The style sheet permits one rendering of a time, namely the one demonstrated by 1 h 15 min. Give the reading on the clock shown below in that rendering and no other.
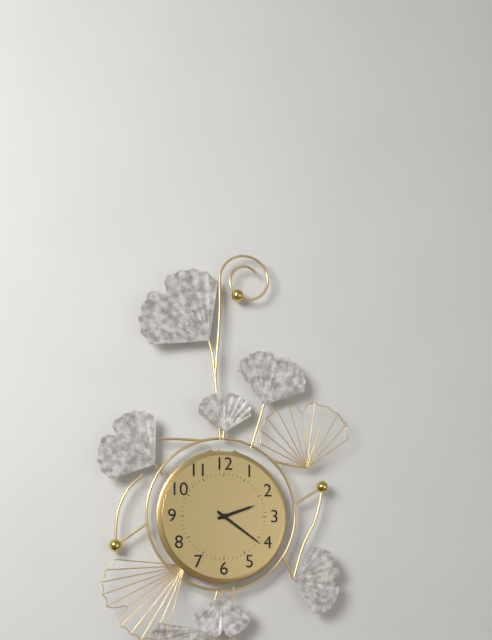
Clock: 2 h 21 min
